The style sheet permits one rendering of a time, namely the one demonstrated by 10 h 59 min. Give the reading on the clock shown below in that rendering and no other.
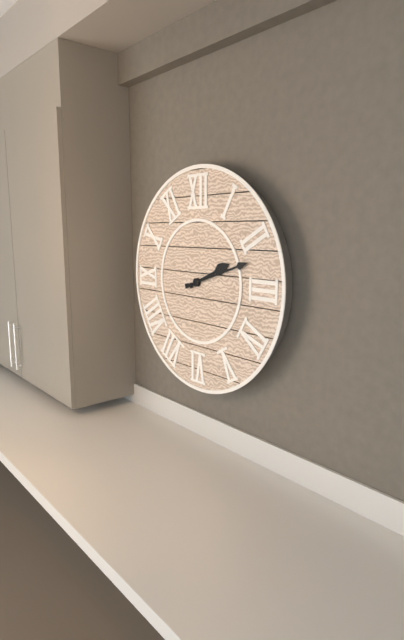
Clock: 2 h 12 min
